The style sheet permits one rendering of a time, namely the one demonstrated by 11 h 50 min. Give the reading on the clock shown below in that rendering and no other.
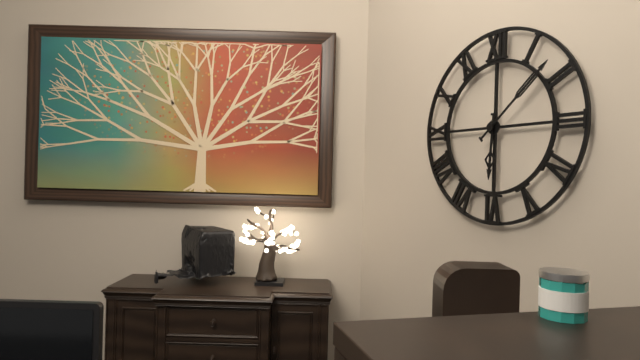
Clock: 6 h 08 min
